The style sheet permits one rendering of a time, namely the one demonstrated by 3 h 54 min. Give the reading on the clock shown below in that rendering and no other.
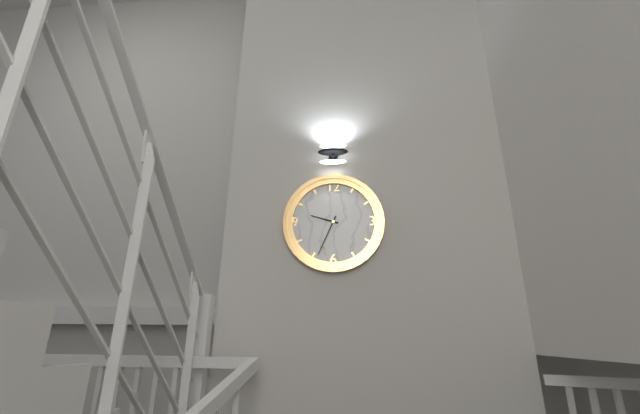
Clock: 9 h 34 min
